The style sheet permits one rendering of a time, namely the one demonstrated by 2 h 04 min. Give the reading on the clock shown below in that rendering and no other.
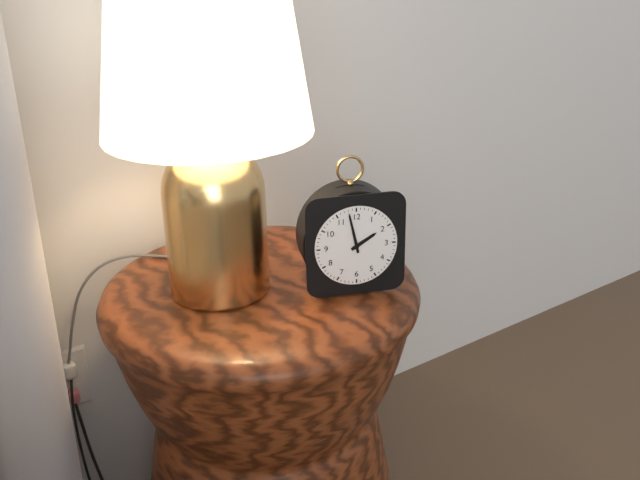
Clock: 1 h 58 min
